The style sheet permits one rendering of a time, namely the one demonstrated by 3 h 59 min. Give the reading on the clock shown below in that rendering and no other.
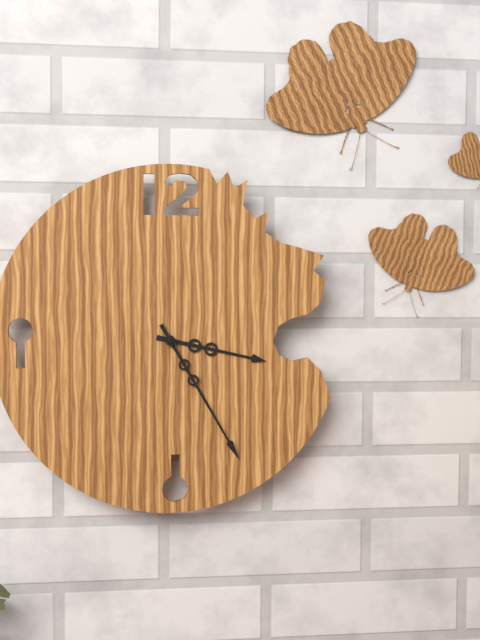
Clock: 3 h 25 min
